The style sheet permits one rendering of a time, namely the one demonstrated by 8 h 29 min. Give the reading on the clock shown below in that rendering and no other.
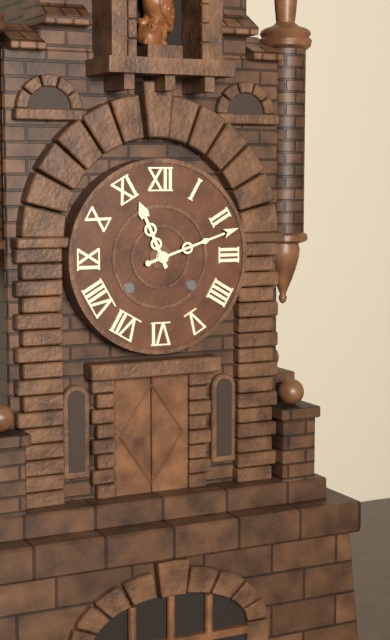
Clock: 11 h 12 min
